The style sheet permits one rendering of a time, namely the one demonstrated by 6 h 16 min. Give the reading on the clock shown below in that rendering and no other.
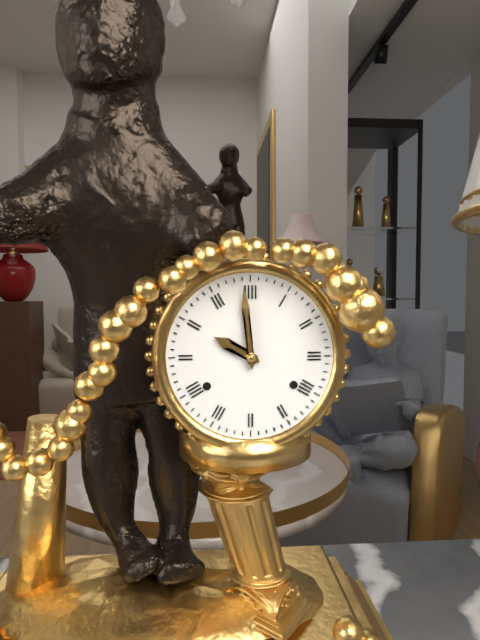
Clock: 9 h 59 min
